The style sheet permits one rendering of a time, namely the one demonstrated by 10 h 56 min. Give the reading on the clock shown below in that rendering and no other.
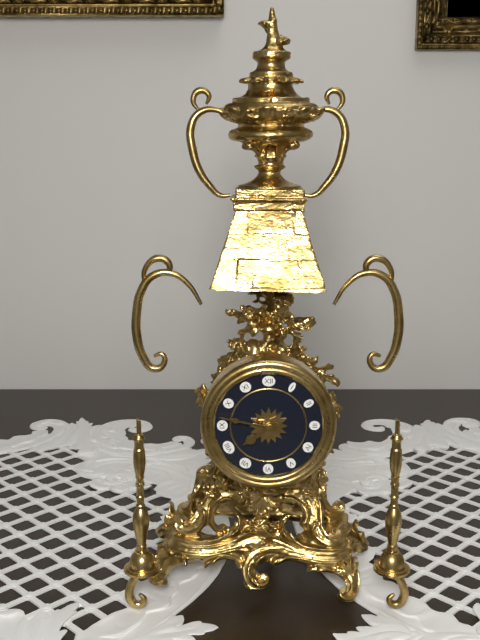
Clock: 7 h 47 min
